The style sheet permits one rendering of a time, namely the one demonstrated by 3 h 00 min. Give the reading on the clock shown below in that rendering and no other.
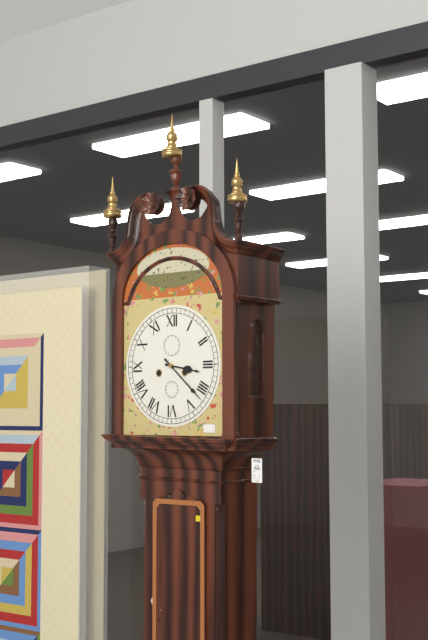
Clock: 3 h 22 min
